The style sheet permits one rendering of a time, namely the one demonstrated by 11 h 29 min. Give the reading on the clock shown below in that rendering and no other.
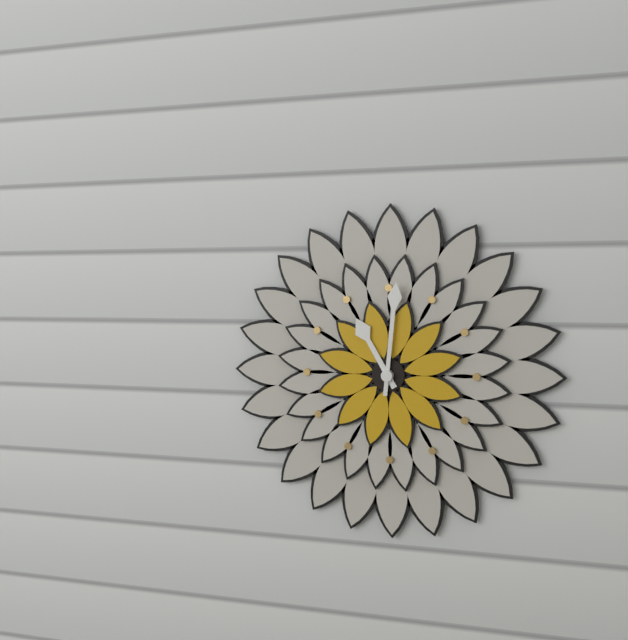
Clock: 11 h 01 min
